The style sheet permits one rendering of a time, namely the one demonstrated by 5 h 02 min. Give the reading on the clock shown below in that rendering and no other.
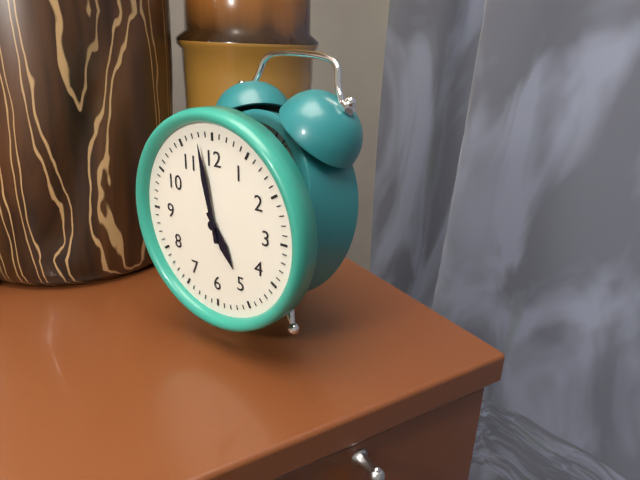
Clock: 4 h 58 min
